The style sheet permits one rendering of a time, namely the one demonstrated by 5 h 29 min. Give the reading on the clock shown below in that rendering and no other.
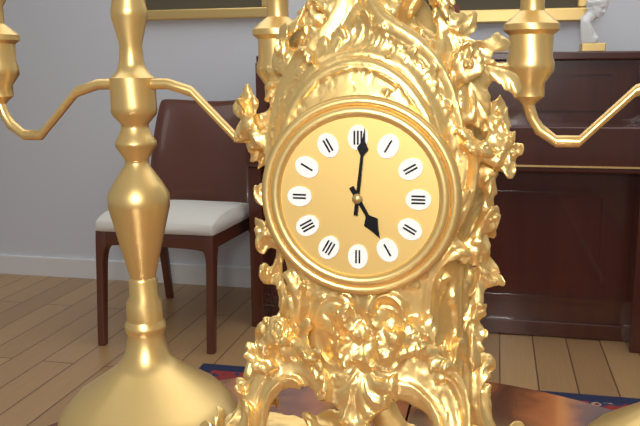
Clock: 5 h 01 min
